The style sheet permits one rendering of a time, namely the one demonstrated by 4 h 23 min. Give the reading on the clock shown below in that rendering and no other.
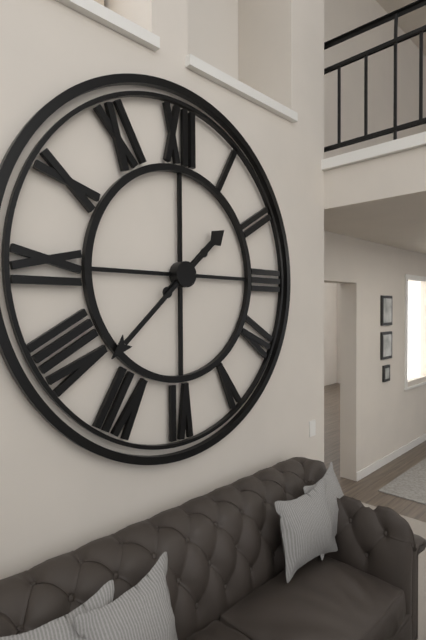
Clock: 1 h 38 min
